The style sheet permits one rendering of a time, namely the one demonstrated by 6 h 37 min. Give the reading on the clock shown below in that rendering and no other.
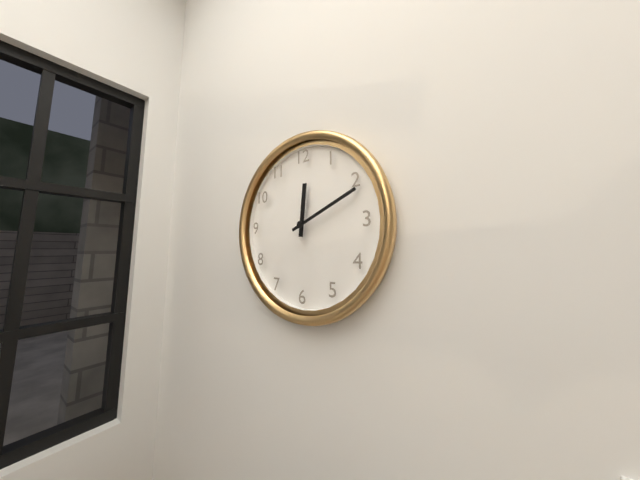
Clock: 12 h 11 min
